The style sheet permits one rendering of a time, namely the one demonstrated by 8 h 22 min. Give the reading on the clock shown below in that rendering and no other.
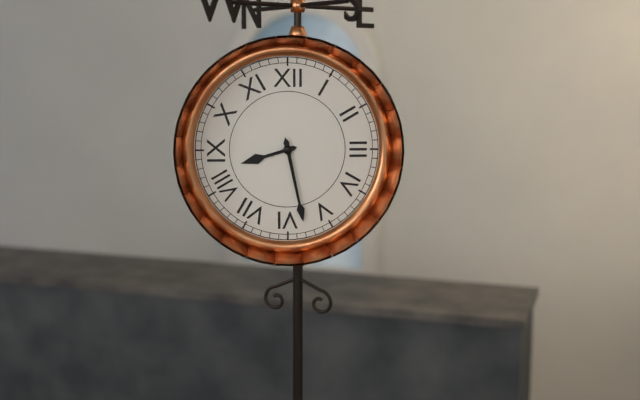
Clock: 8 h 28 min
